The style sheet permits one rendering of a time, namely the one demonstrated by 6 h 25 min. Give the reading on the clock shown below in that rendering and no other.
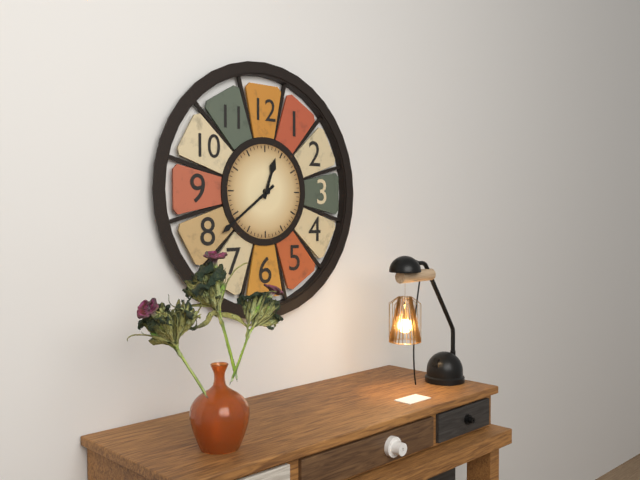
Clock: 12 h 39 min
